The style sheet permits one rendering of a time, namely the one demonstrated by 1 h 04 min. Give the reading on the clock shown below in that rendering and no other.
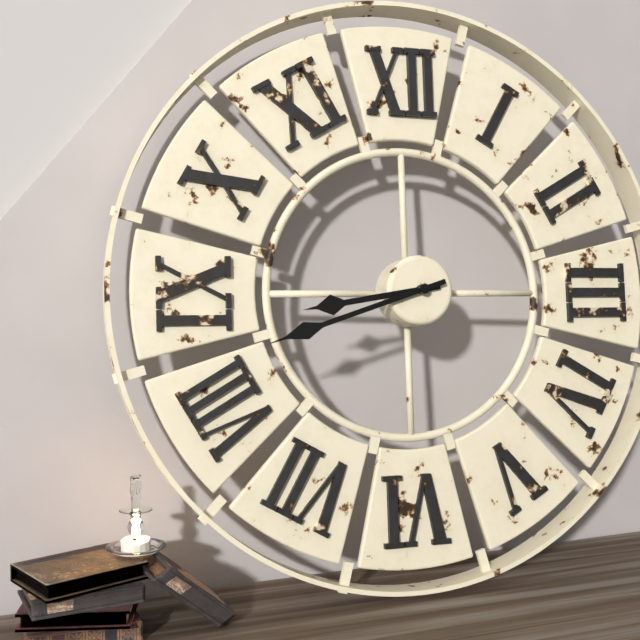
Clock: 8 h 42 min
